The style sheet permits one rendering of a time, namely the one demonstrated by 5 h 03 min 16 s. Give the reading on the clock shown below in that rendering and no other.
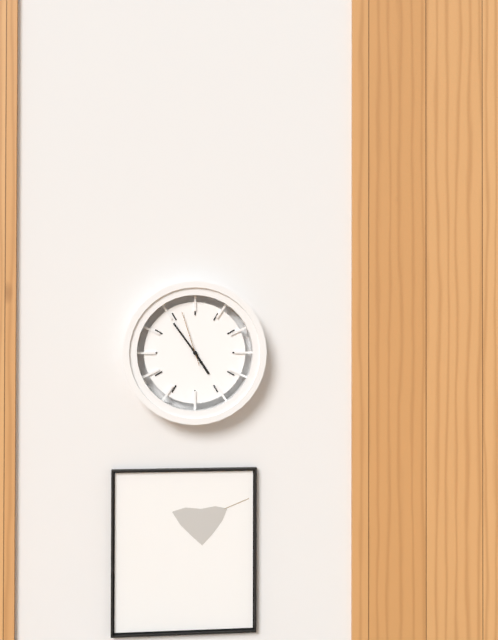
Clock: 4 h 54 min 57 s
